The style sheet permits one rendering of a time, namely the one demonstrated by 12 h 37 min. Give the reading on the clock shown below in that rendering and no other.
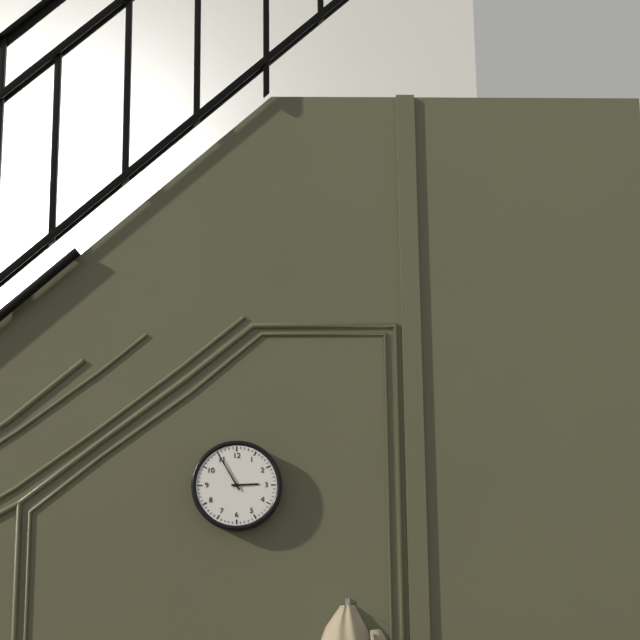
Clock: 2 h 55 min
